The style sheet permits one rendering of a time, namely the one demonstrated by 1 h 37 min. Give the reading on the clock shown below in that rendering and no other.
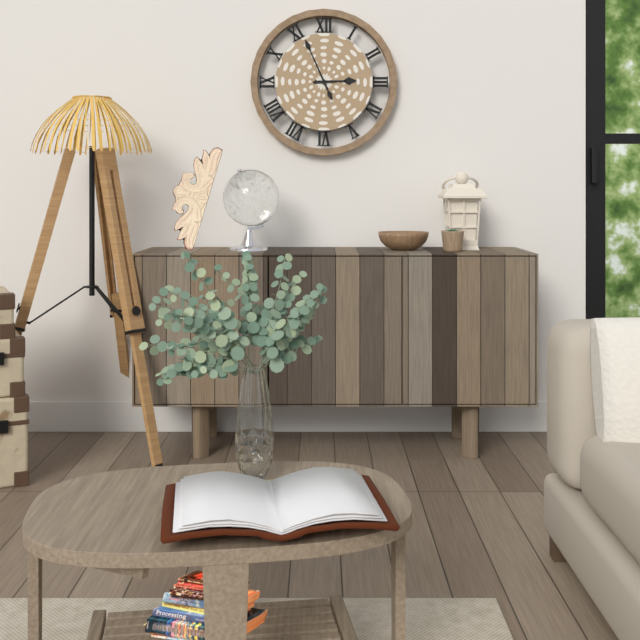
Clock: 2 h 56 min
